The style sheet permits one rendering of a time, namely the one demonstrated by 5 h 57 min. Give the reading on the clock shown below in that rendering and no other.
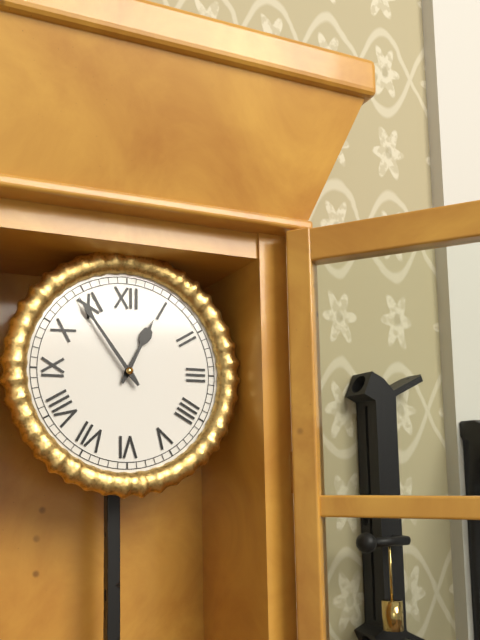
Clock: 12 h 54 min
